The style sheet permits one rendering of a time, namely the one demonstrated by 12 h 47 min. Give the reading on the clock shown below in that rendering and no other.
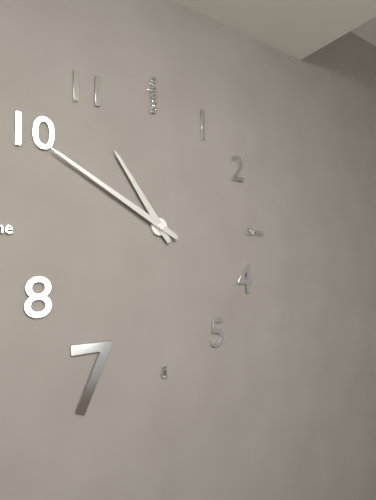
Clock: 10 h 50 min
